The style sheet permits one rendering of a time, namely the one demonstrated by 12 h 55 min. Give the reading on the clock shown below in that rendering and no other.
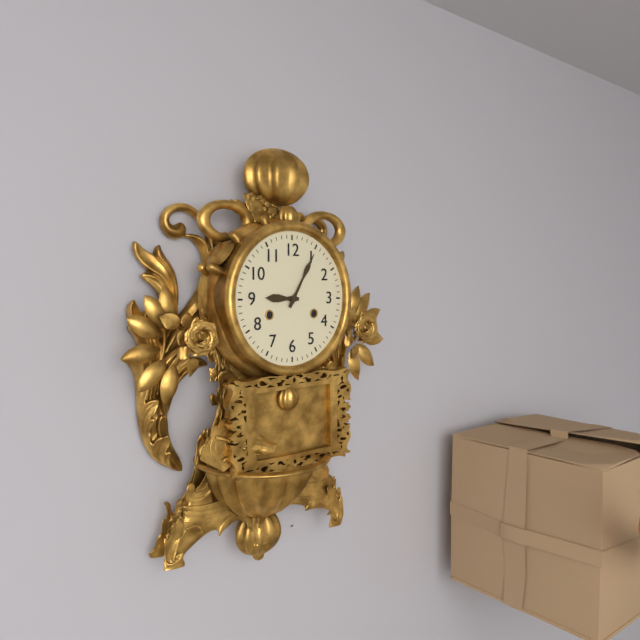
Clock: 9 h 05 min
